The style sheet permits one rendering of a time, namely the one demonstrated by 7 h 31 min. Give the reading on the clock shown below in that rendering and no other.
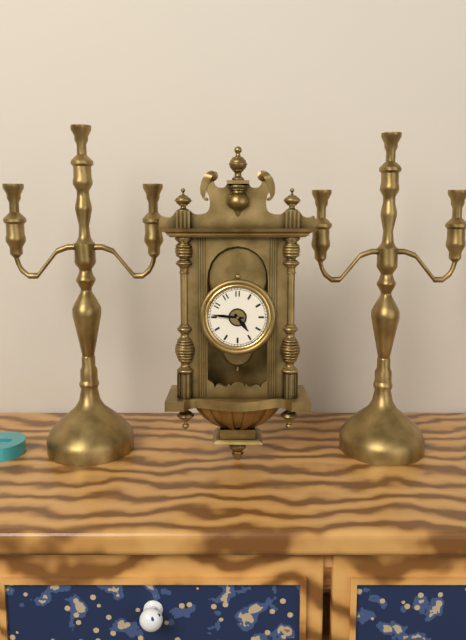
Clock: 4 h 46 min
